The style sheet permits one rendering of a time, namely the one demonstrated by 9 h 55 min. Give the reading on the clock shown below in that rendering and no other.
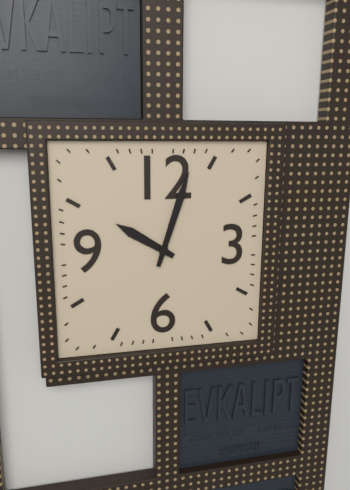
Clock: 10 h 03 min
